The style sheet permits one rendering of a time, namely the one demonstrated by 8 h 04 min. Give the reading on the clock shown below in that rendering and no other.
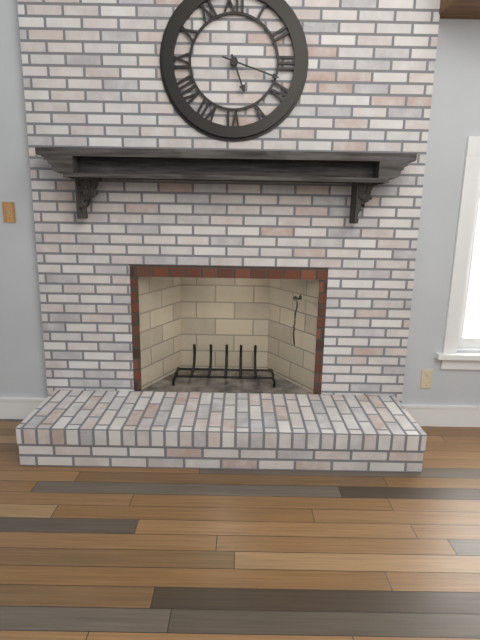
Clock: 5 h 18 min
